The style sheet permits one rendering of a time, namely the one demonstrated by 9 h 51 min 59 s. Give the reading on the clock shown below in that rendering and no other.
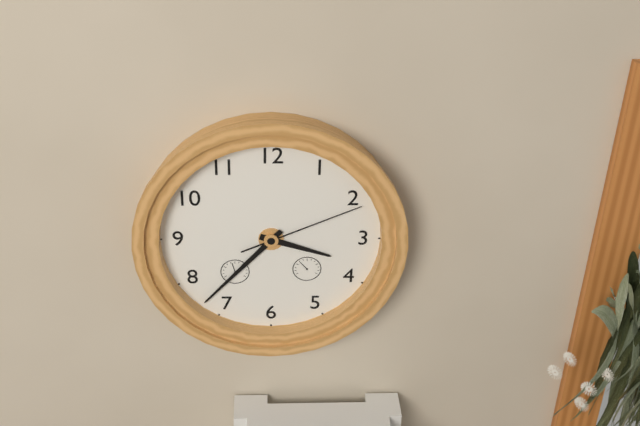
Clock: 3 h 37 min 11 s
